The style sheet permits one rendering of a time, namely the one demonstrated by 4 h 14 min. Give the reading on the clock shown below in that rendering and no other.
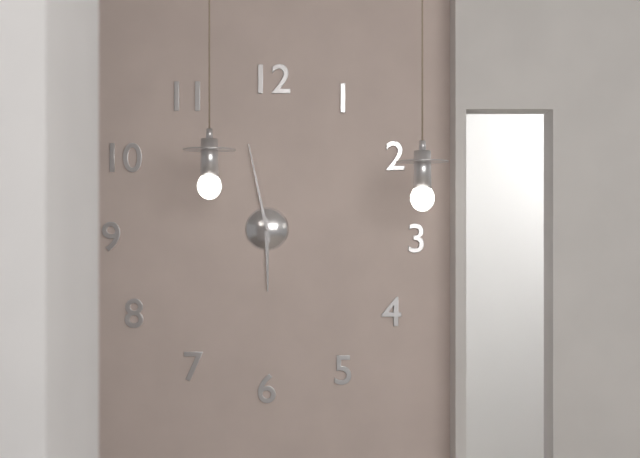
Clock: 5 h 58 min
